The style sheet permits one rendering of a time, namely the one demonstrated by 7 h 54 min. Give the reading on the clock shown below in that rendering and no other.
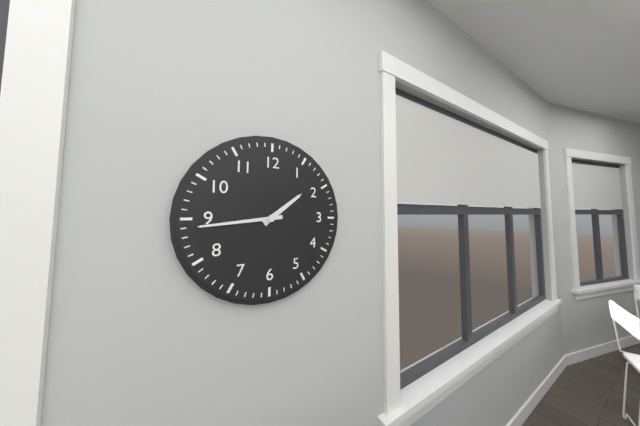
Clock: 1 h 44 min
